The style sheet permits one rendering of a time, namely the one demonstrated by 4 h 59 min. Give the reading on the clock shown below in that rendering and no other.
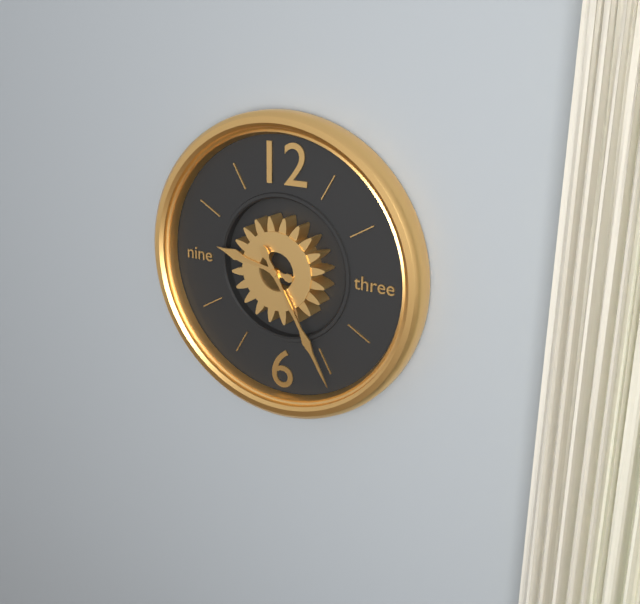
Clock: 9 h 25 min
